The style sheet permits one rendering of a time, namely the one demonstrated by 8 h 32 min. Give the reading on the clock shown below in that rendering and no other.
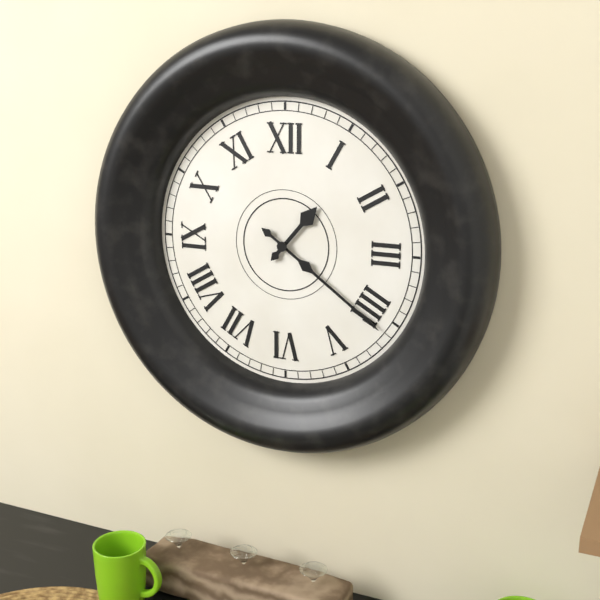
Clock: 1 h 21 min
